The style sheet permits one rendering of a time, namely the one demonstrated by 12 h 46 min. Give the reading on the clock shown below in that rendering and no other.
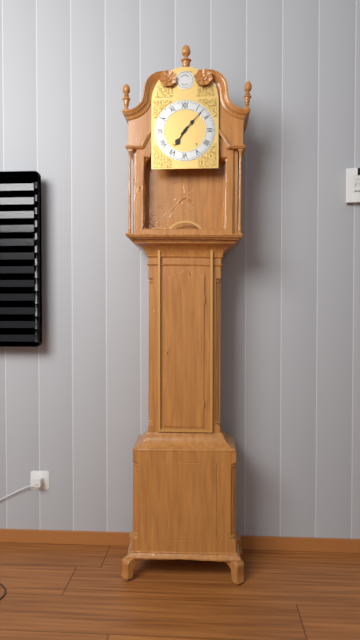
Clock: 7 h 07 min
